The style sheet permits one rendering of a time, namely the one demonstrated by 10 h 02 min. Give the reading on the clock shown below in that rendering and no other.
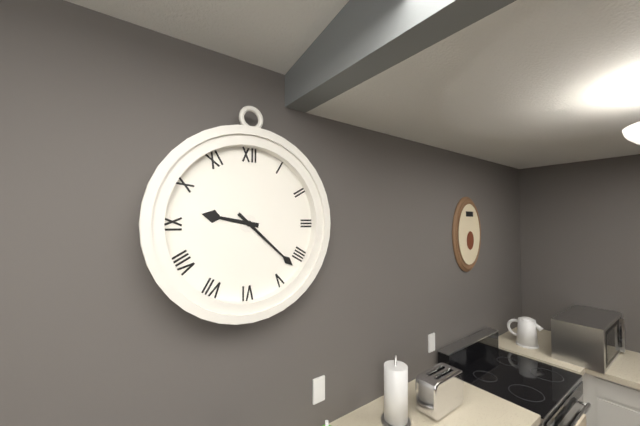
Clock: 9 h 22 min
